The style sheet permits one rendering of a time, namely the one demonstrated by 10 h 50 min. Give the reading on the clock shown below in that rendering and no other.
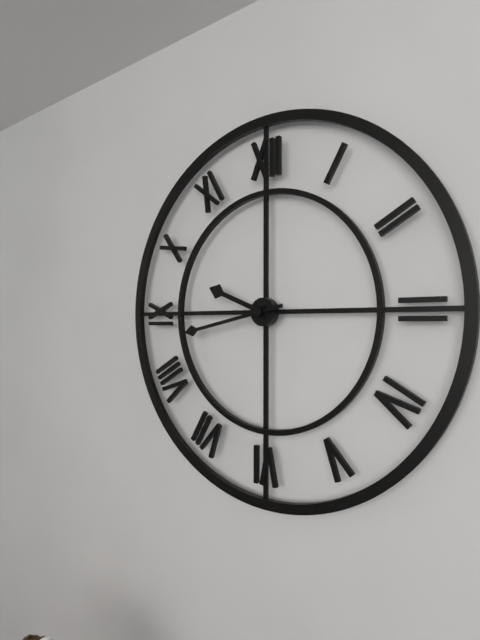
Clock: 9 h 43 min
